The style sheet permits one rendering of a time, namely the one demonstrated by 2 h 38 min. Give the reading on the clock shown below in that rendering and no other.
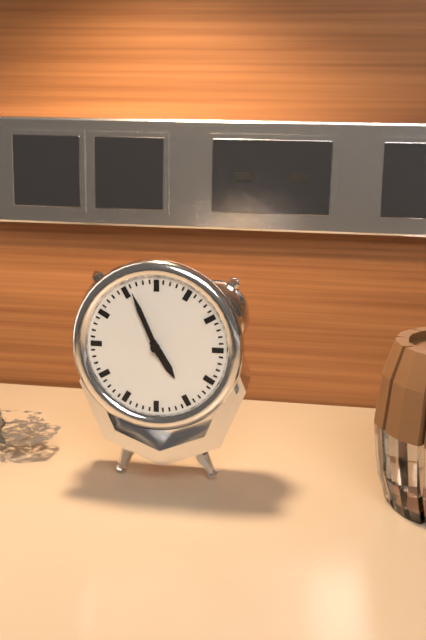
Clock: 4 h 56 min
